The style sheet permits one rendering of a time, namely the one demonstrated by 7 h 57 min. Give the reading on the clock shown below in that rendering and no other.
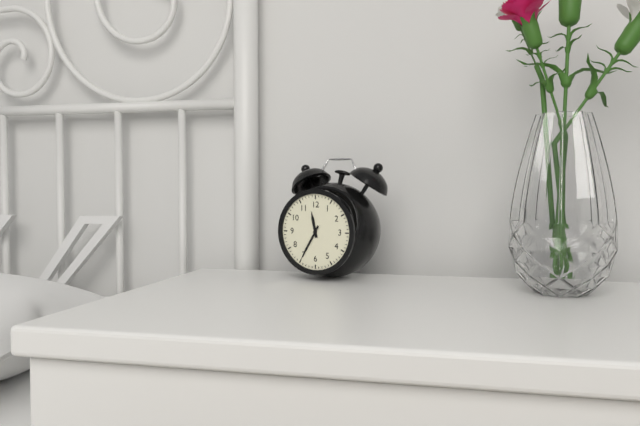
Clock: 11 h 35 min
